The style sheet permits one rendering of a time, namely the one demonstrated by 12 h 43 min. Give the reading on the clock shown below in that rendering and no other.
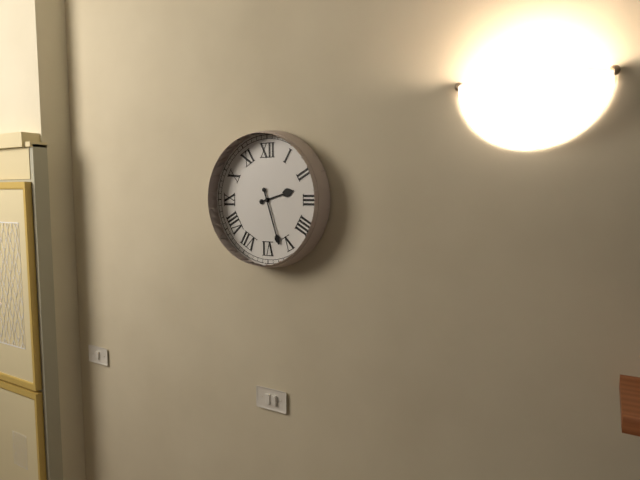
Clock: 2 h 27 min
